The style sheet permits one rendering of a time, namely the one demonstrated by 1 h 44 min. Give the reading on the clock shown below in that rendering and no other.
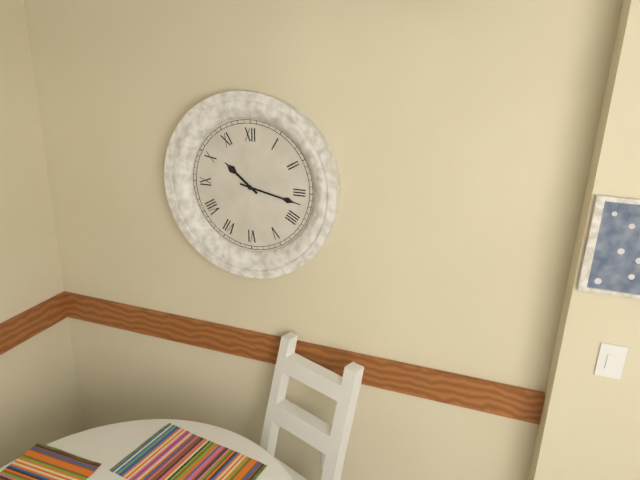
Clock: 10 h 17 min
